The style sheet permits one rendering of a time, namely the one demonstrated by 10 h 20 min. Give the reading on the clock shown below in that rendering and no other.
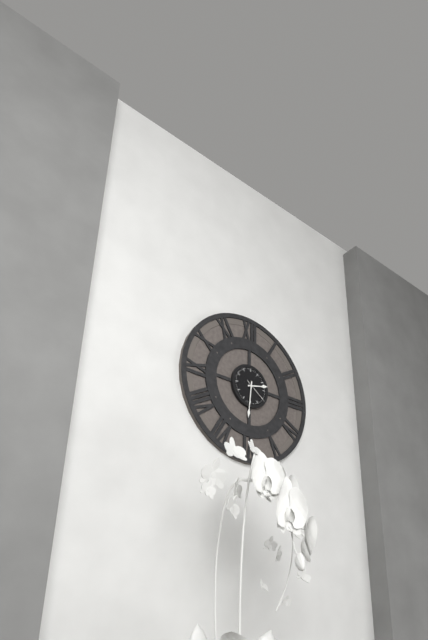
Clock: 2 h 31 min
